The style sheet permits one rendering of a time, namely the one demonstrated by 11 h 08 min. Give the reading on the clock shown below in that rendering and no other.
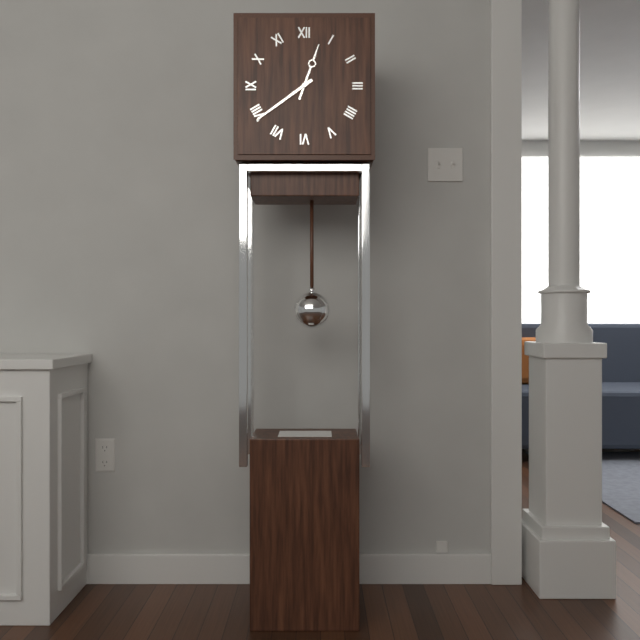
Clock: 12 h 39 min
